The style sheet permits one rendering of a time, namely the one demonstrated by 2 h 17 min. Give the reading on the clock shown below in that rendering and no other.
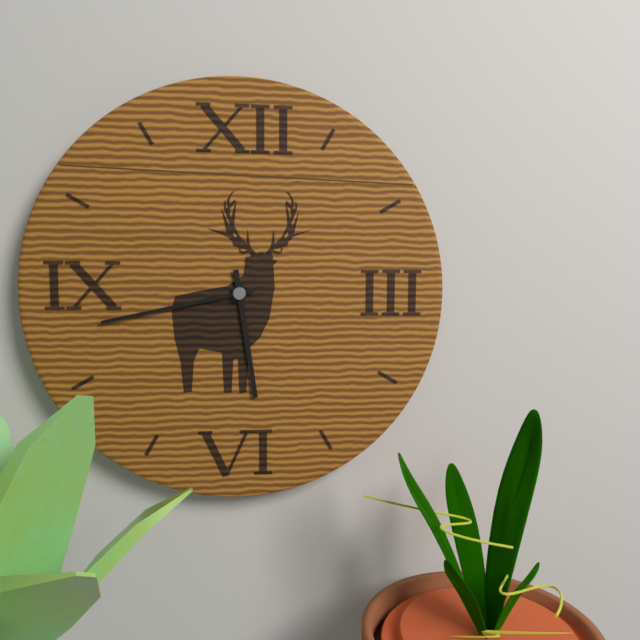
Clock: 5 h 43 min
